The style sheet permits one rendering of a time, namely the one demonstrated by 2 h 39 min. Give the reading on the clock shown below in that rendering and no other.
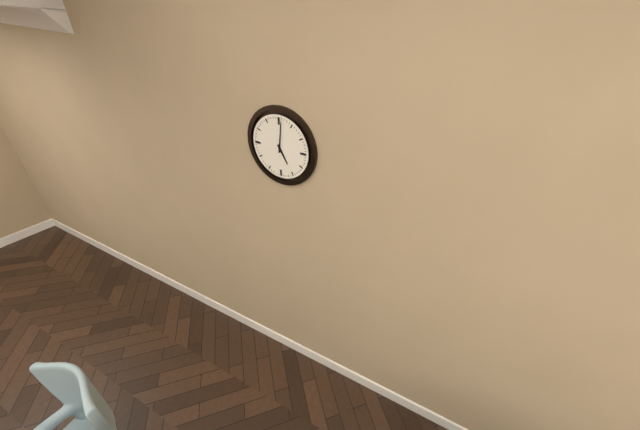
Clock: 5 h 01 min
